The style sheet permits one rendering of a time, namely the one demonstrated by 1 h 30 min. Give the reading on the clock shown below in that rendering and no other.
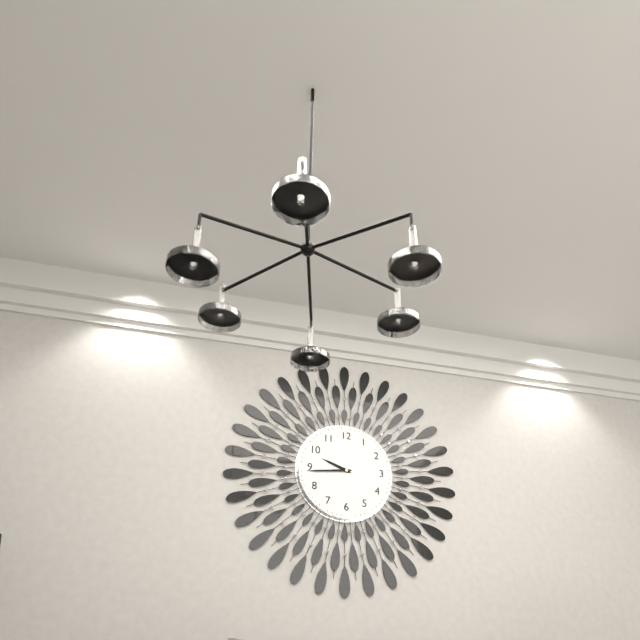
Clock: 9 h 44 min
